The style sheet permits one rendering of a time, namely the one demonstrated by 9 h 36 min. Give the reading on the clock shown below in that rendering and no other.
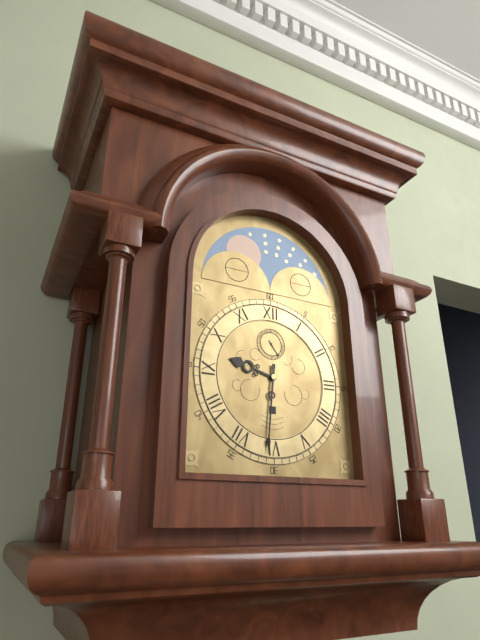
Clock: 9 h 31 min
